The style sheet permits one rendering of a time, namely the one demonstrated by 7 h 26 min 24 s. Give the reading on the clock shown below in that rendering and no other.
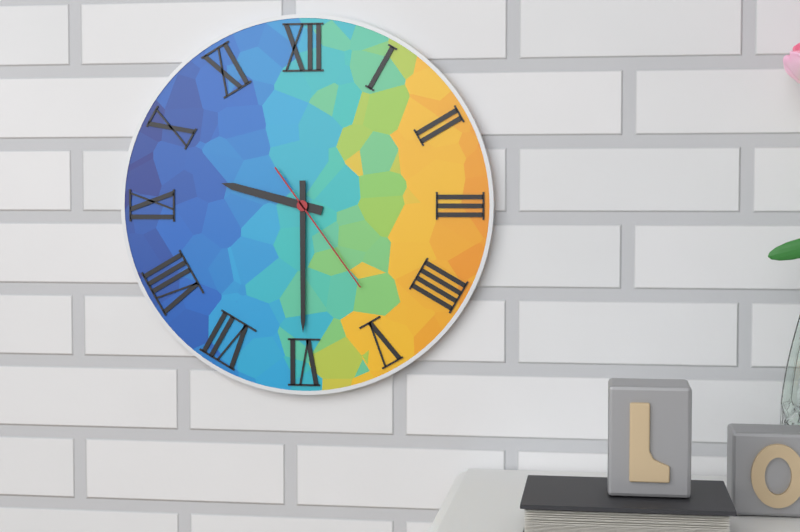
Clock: 9 h 30 min 24 s
